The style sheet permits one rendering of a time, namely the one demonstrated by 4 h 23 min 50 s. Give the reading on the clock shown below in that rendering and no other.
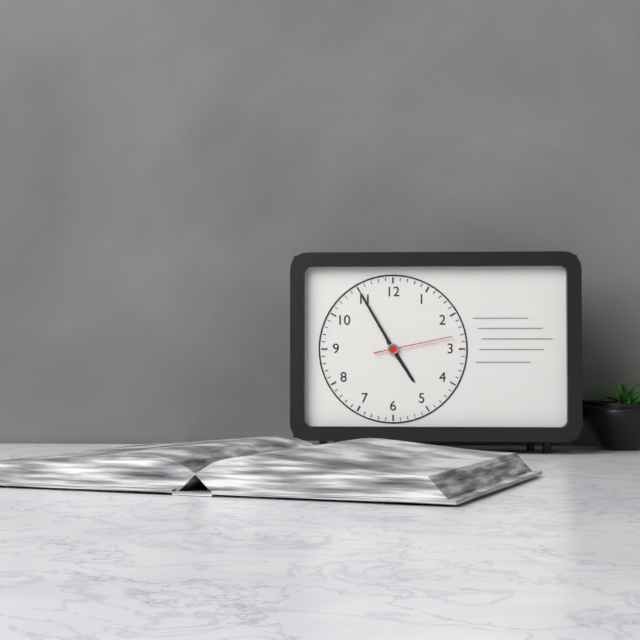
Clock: 4 h 55 min 13 s
